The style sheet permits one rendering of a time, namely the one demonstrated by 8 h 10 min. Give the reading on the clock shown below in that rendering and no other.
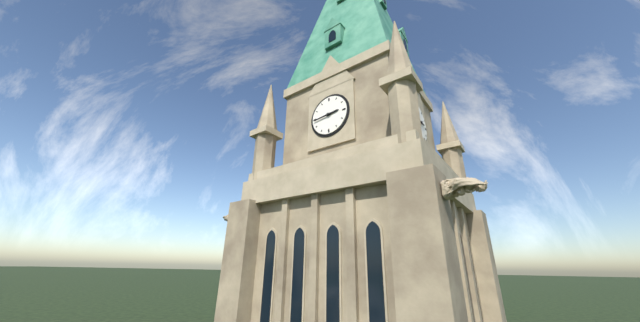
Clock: 2 h 44 min
